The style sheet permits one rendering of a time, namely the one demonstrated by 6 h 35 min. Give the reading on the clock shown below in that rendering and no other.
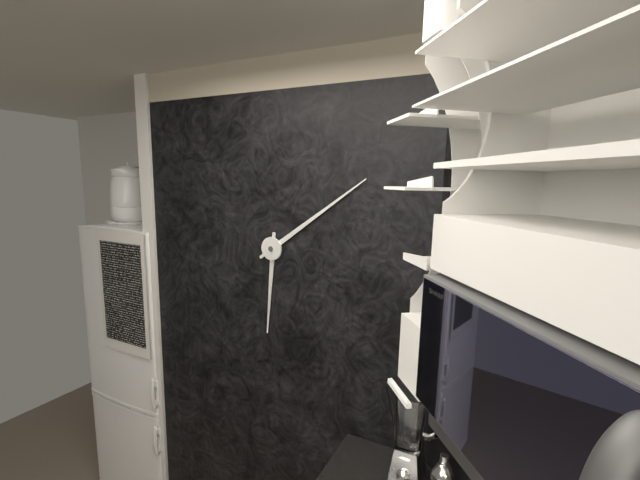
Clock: 6 h 09 min
